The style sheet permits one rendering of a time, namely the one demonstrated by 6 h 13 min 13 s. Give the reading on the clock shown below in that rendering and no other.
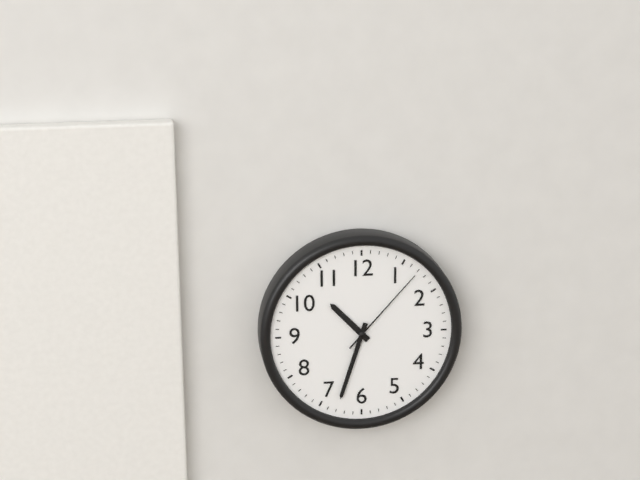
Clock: 10 h 33 min 07 s
